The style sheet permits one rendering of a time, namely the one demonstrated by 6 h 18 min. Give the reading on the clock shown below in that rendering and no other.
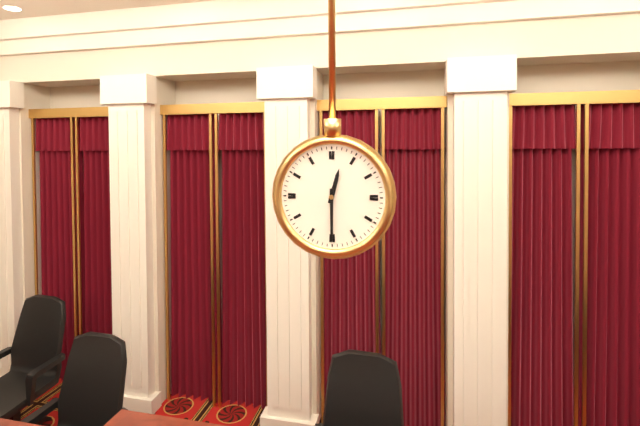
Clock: 12 h 30 min
